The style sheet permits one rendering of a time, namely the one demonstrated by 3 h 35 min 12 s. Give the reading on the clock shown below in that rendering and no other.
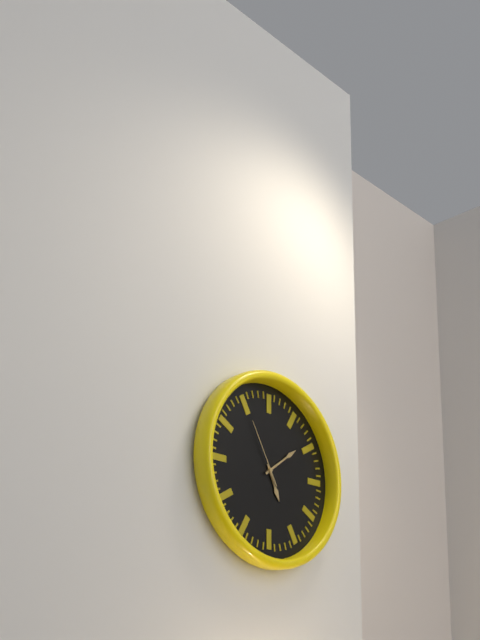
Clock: 5 h 09 min 55 s
